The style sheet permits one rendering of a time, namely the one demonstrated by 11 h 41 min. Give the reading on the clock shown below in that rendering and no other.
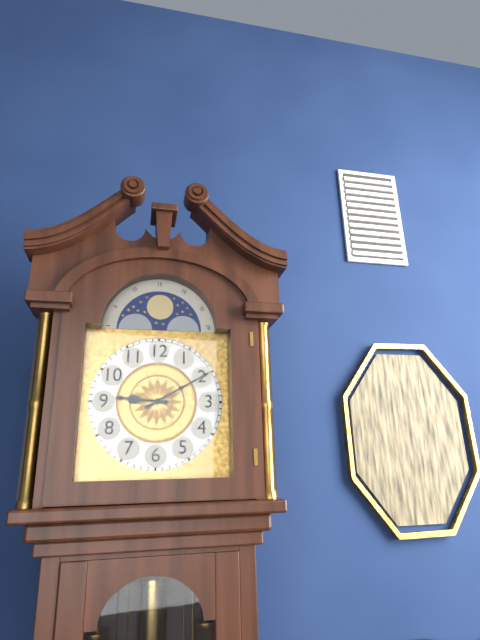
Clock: 9 h 10 min
